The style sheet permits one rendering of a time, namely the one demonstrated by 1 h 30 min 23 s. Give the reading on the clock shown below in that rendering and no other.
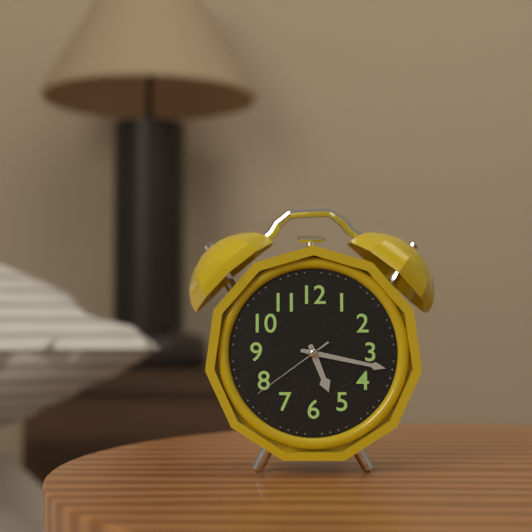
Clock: 5 h 17 min 39 s
